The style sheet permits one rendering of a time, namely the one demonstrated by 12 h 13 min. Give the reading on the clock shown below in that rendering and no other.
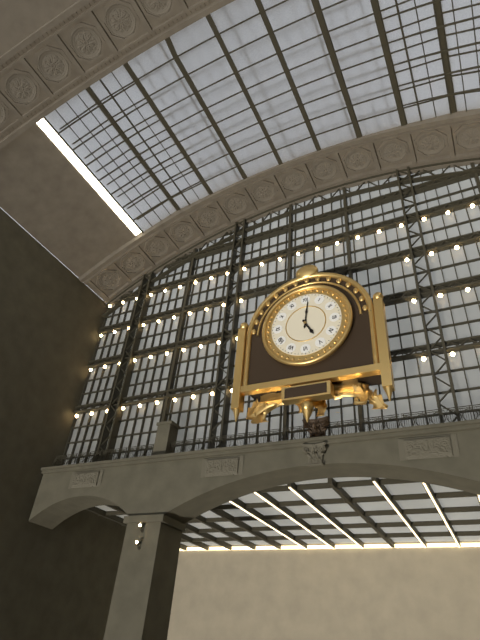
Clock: 5 h 01 min
